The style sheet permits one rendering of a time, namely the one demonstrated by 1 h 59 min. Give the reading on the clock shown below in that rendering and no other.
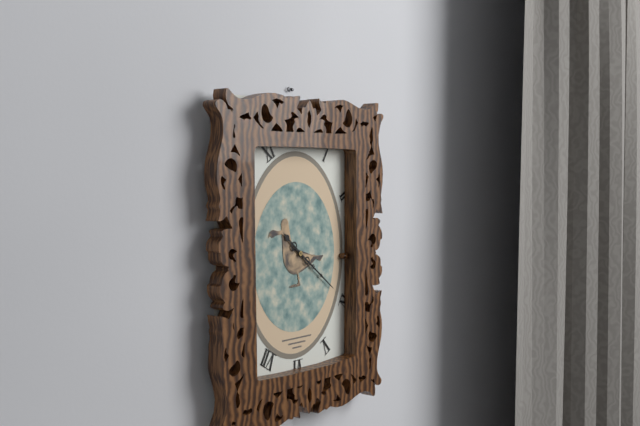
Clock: 10 h 21 min
